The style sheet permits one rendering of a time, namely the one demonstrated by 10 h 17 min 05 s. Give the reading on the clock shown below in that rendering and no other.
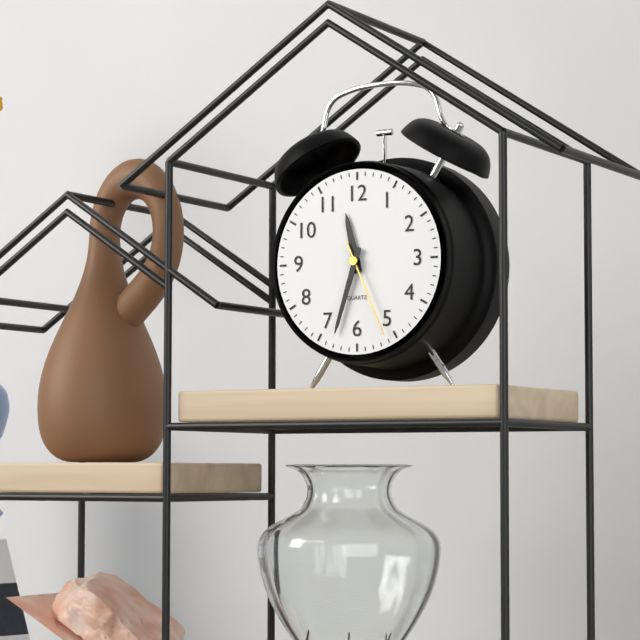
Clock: 11 h 33 min 26 s
